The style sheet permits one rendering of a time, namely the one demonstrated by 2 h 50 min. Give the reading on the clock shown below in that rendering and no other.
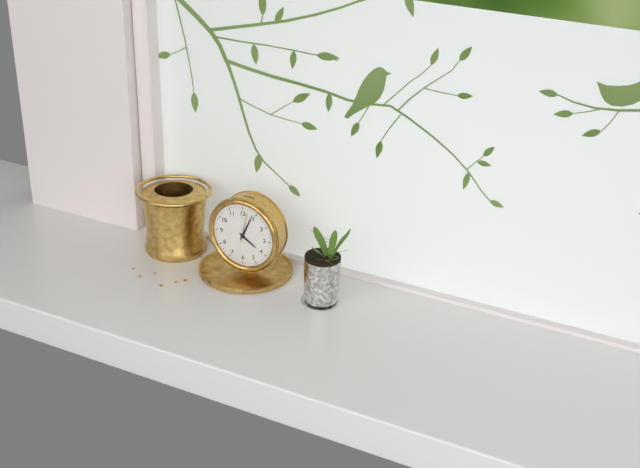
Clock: 4 h 04 min
